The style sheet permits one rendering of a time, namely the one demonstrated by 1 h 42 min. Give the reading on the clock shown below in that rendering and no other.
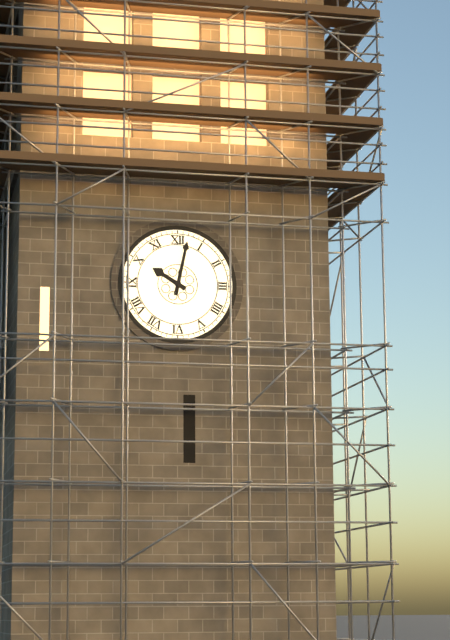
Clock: 10 h 02 min
